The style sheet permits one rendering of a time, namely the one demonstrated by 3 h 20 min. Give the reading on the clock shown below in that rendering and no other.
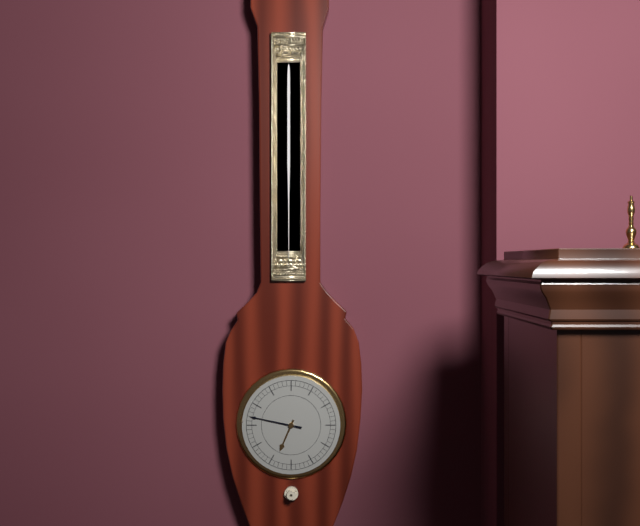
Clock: 6 h 47 min
